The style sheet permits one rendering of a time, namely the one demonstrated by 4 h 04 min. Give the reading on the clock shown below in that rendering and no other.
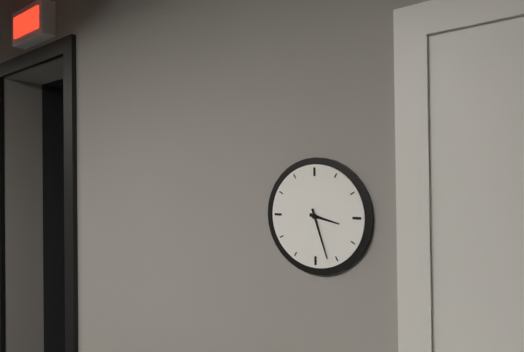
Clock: 3 h 27 min
